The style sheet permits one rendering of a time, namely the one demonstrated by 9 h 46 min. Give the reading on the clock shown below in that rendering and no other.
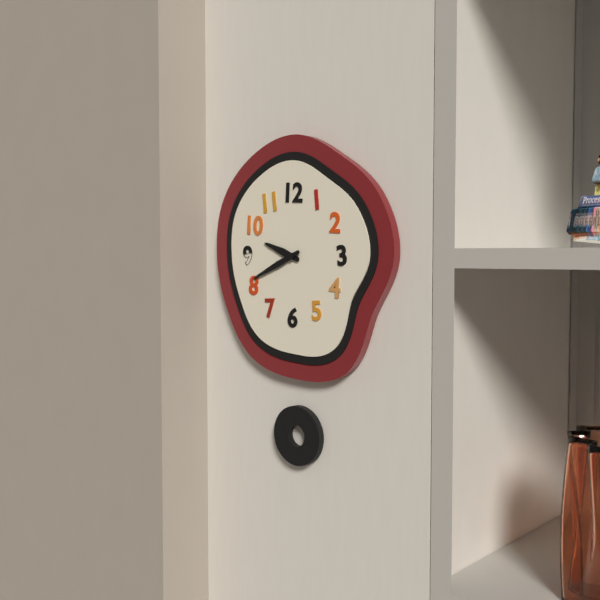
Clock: 9 h 41 min
